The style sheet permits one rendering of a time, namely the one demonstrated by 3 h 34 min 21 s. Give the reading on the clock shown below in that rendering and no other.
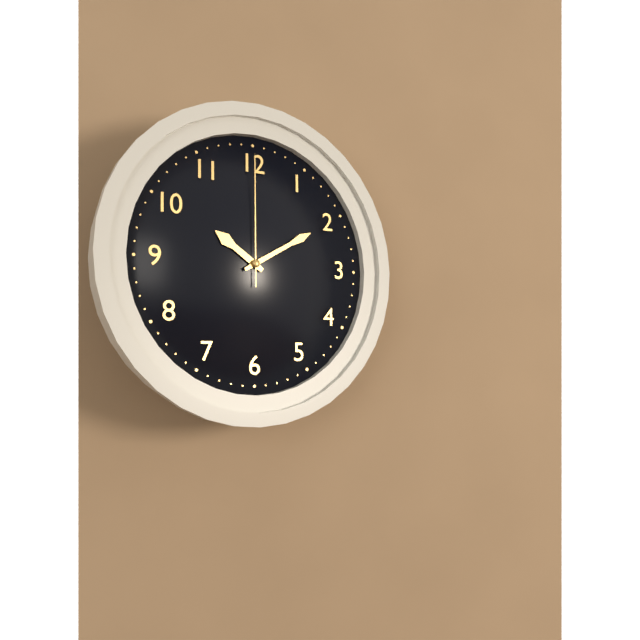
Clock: 10 h 10 min 00 s
